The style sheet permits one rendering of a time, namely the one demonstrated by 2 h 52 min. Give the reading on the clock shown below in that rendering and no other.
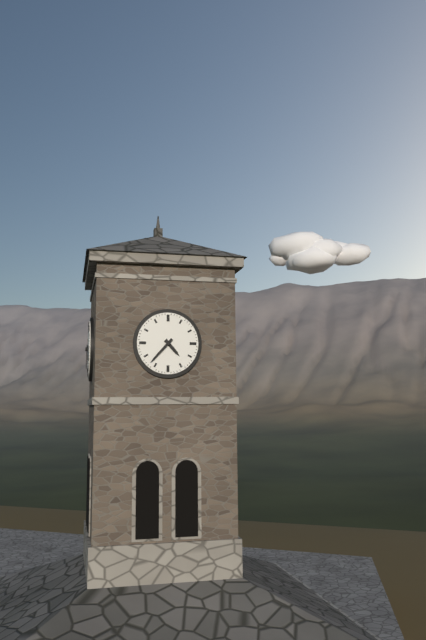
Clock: 4 h 37 min
